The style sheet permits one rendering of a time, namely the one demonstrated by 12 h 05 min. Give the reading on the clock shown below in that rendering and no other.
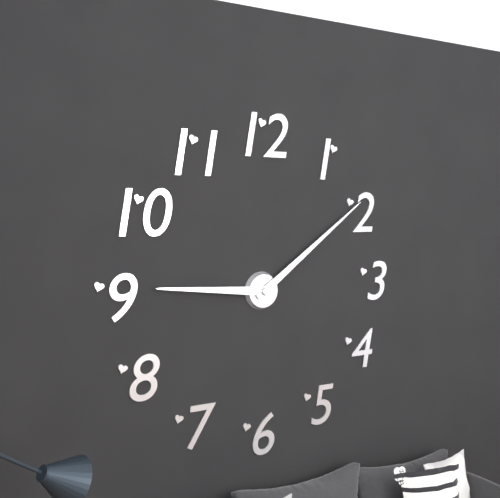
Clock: 9 h 09 min
